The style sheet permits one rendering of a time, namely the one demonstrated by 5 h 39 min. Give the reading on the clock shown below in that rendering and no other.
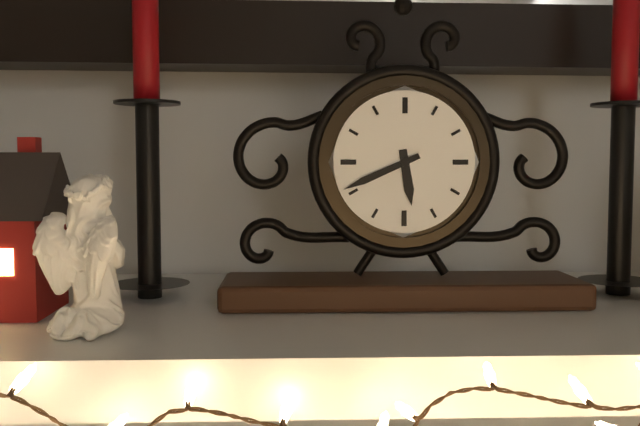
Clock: 5 h 41 min
